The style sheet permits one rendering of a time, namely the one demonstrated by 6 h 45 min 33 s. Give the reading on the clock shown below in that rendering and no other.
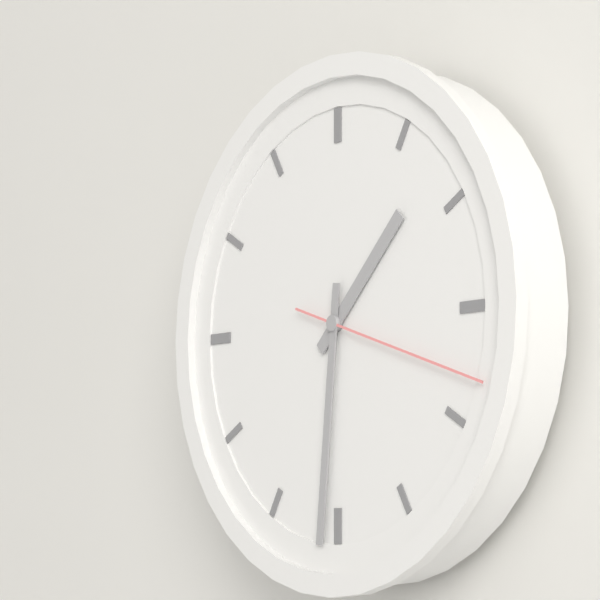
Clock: 1 h 31 min 18 s
